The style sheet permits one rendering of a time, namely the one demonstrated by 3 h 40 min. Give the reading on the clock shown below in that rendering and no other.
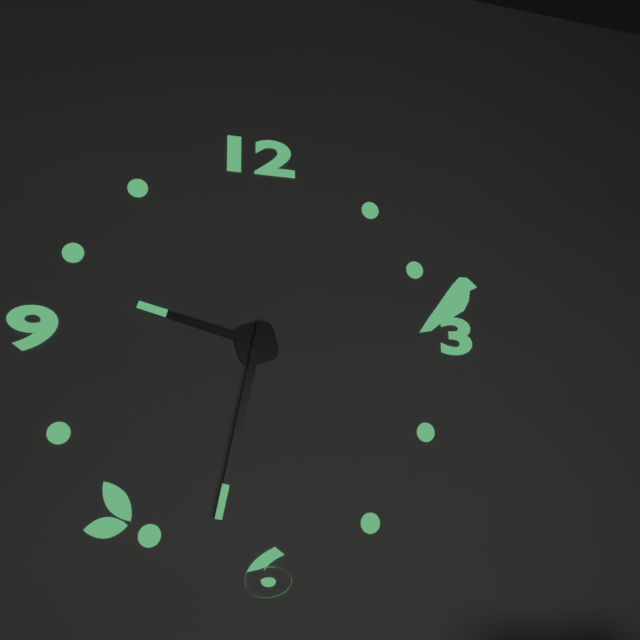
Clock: 9 h 32 min
